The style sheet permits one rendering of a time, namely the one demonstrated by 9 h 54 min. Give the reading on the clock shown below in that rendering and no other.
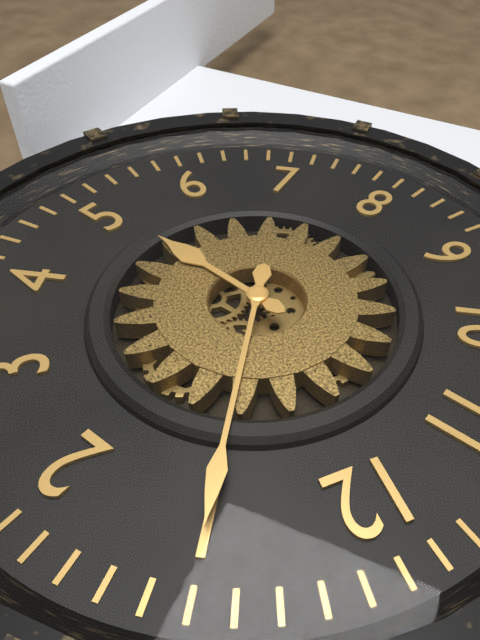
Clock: 5 h 05 min
